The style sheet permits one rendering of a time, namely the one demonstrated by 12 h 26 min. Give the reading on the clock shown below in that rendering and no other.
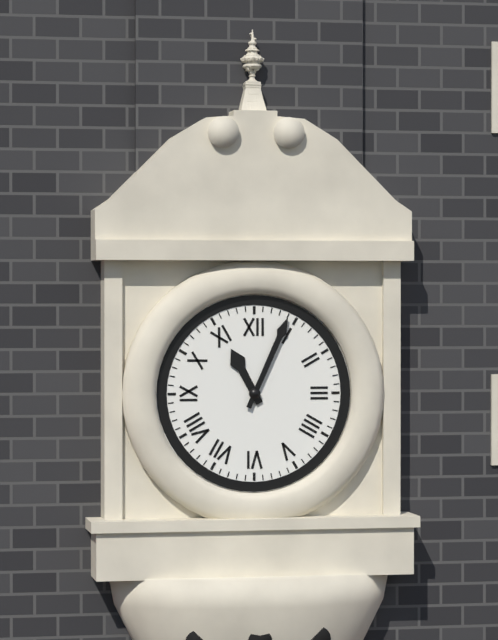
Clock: 11 h 04 min
